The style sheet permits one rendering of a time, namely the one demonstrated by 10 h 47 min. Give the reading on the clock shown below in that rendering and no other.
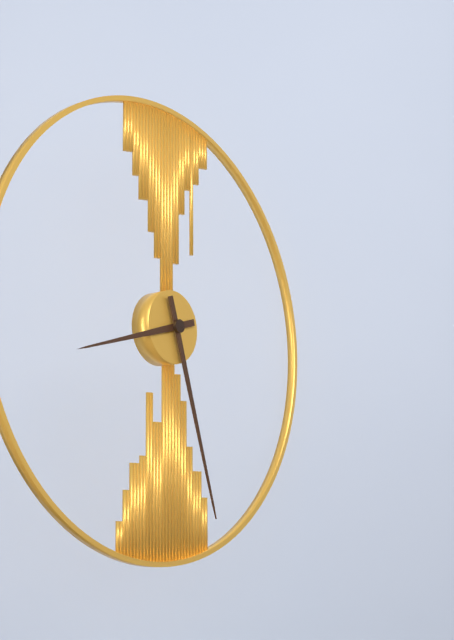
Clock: 8 h 27 min
